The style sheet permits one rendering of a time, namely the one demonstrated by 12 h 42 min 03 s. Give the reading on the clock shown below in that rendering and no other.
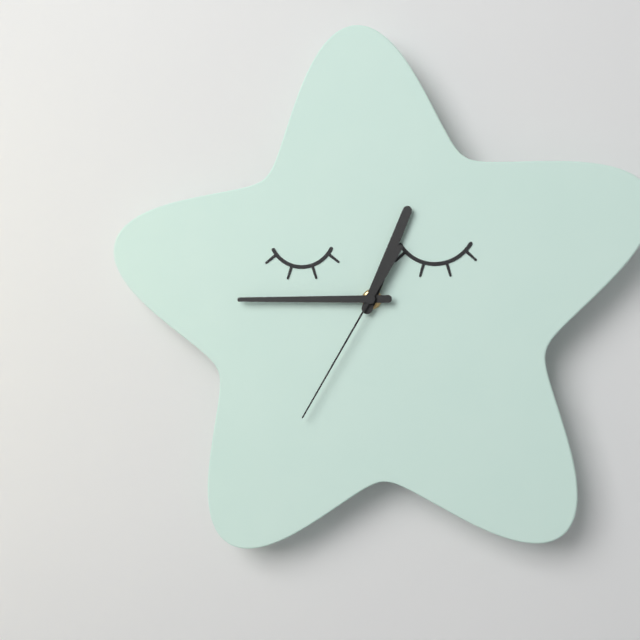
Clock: 12 h 45 min 35 s
